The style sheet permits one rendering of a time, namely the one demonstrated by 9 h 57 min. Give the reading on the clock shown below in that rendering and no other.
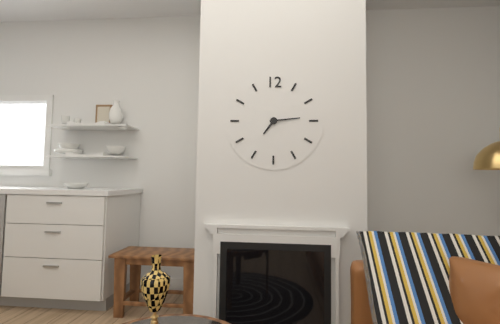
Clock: 7 h 14 min
